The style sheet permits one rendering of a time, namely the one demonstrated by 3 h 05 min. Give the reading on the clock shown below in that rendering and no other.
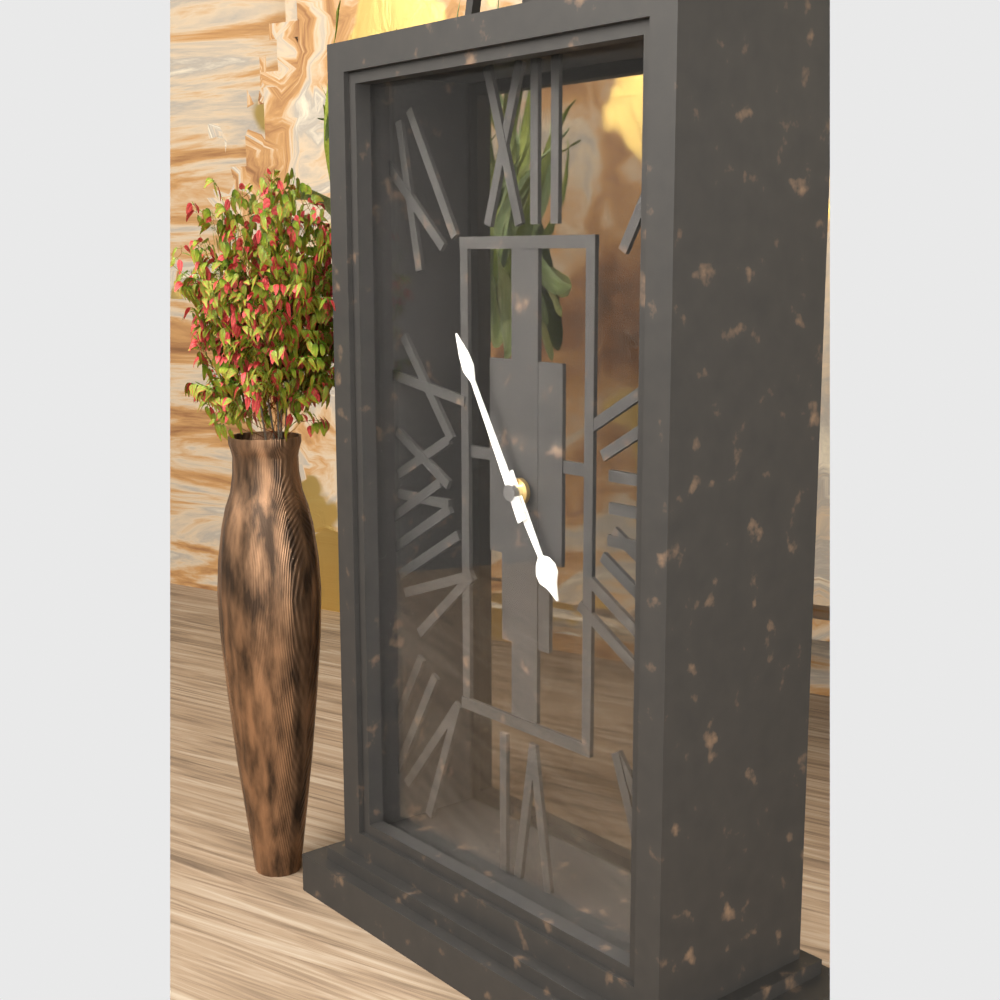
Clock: 4 h 55 min
